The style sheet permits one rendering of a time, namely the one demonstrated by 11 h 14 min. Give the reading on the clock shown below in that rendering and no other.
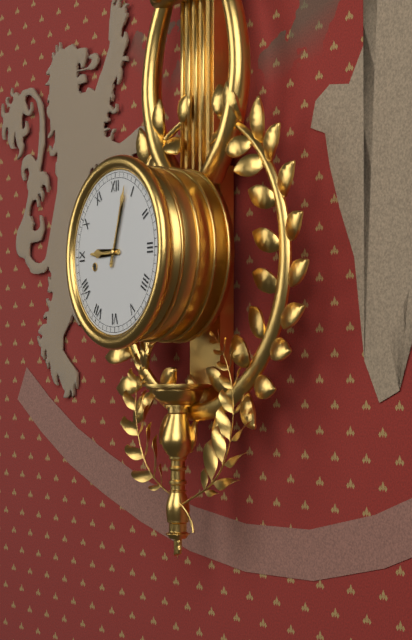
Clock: 9 h 03 min
